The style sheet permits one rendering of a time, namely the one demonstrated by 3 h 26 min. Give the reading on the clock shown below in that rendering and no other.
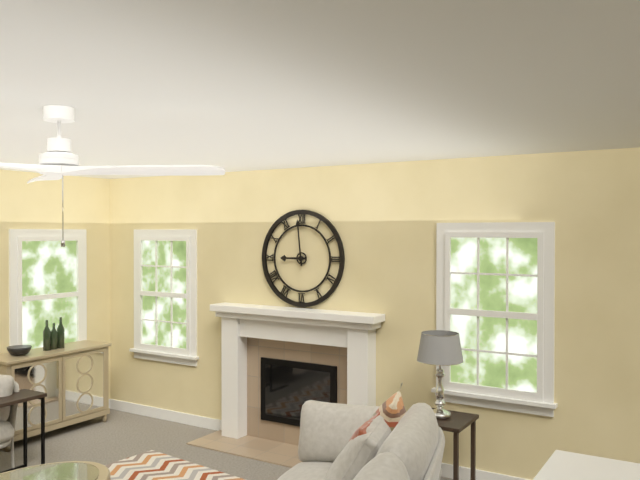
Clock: 8 h 59 min
